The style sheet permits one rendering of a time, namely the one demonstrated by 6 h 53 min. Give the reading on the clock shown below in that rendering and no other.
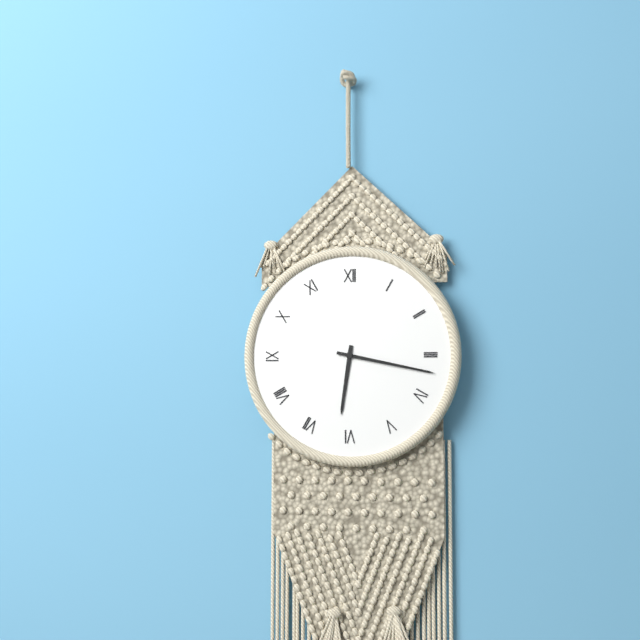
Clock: 6 h 17 min
